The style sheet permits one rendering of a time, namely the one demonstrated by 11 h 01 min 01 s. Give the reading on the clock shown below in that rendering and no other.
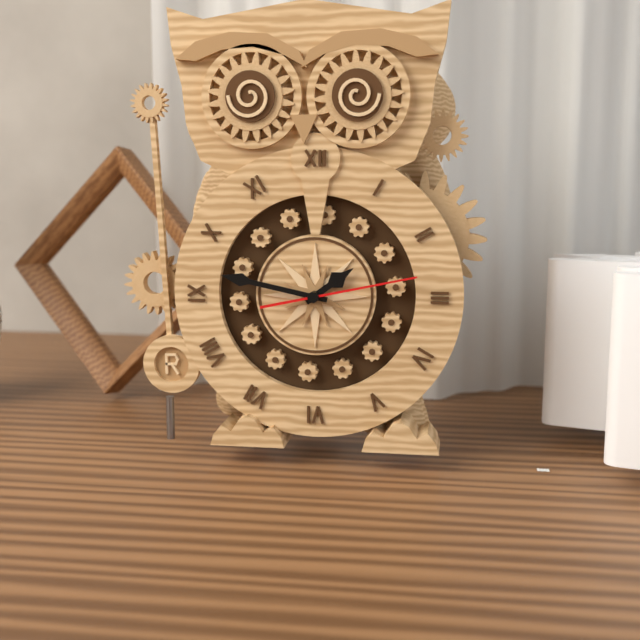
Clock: 1 h 47 min 13 s
